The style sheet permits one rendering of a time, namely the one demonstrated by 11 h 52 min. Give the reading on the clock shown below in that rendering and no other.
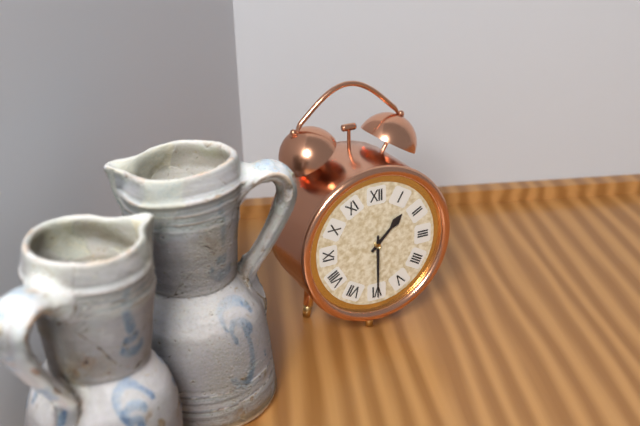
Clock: 1 h 30 min
